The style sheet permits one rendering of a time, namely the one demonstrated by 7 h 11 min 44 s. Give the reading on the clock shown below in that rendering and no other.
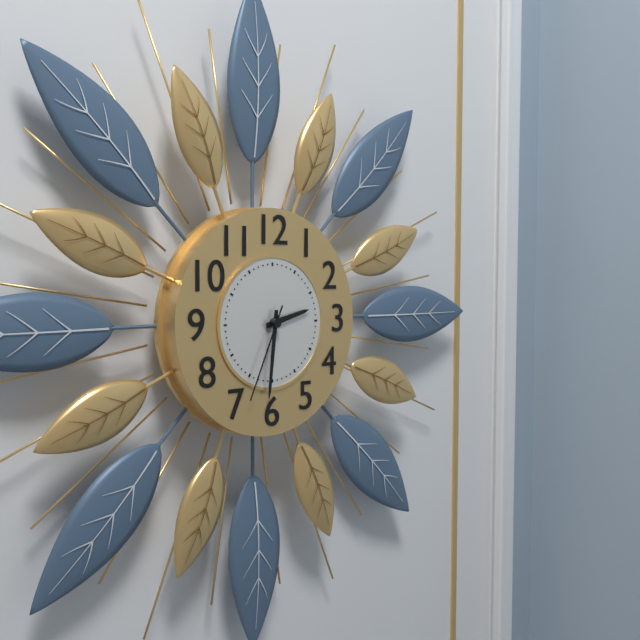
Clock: 2 h 31 min 34 s
